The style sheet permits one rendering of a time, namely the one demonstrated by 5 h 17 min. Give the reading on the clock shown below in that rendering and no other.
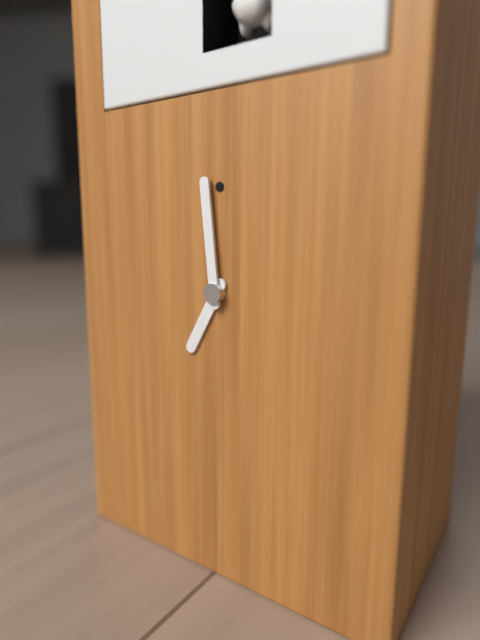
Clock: 6 h 59 min
